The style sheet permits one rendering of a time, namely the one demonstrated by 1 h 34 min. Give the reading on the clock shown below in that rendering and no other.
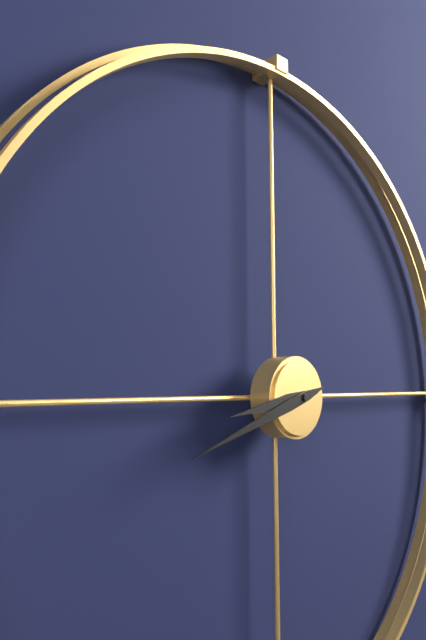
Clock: 8 h 42 min
